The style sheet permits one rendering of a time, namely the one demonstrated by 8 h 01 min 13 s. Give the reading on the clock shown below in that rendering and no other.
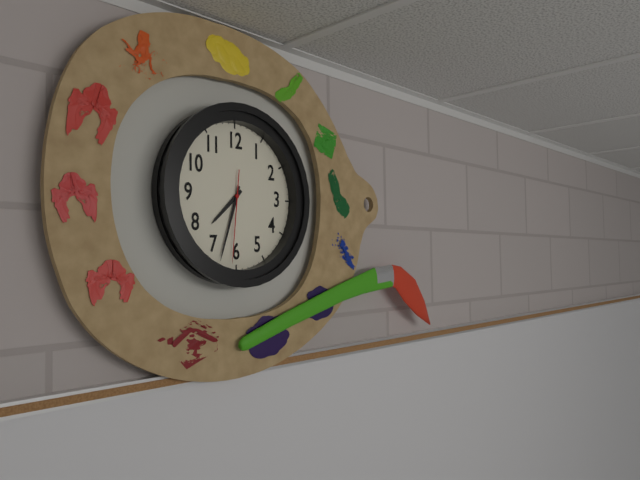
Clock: 7 h 33 min 31 s
